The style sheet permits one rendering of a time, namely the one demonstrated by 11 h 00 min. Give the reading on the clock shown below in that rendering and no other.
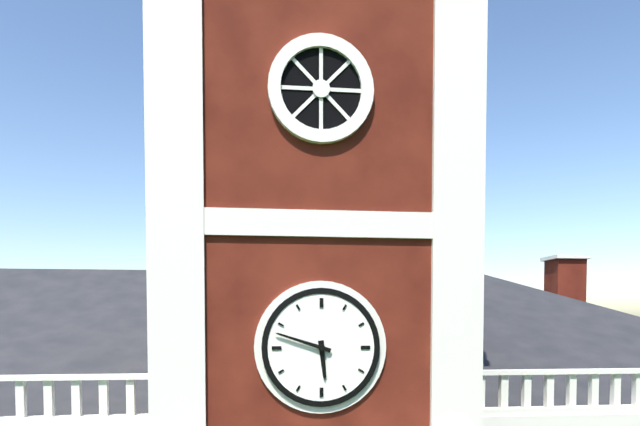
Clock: 5 h 48 min
